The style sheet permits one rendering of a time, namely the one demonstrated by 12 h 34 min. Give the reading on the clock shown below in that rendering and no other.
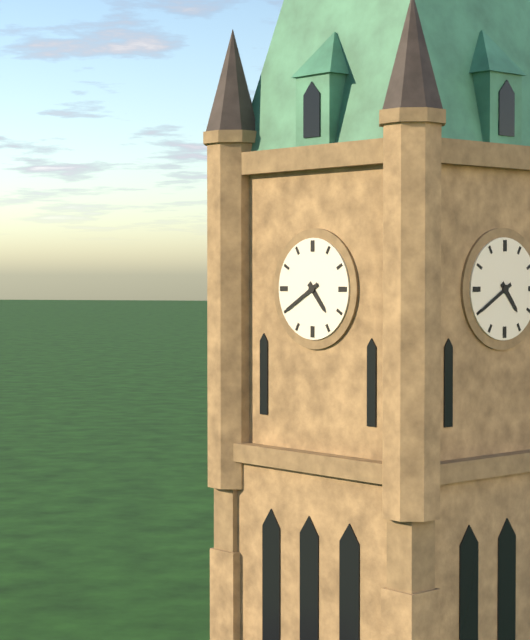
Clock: 4 h 40 min
